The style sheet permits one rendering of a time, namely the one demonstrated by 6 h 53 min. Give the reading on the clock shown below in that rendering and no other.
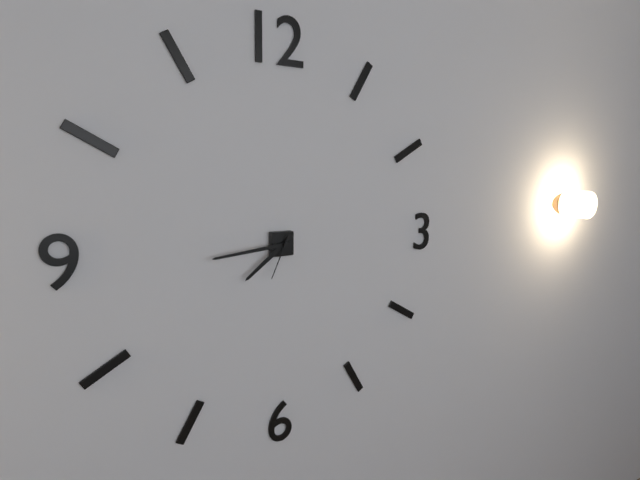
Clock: 7 h 44 min
